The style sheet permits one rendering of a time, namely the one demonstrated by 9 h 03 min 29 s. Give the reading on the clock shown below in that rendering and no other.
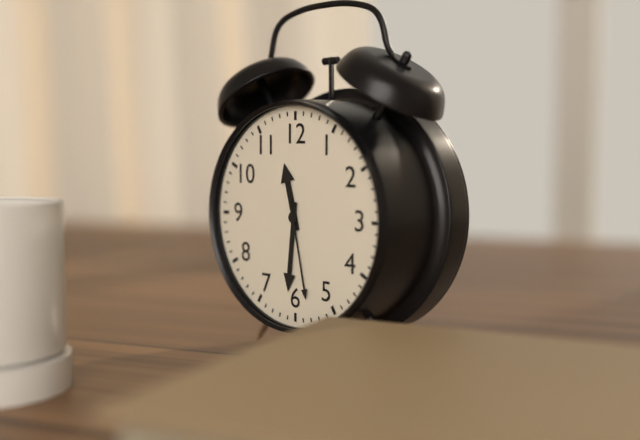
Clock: 11 h 31 min 28 s
